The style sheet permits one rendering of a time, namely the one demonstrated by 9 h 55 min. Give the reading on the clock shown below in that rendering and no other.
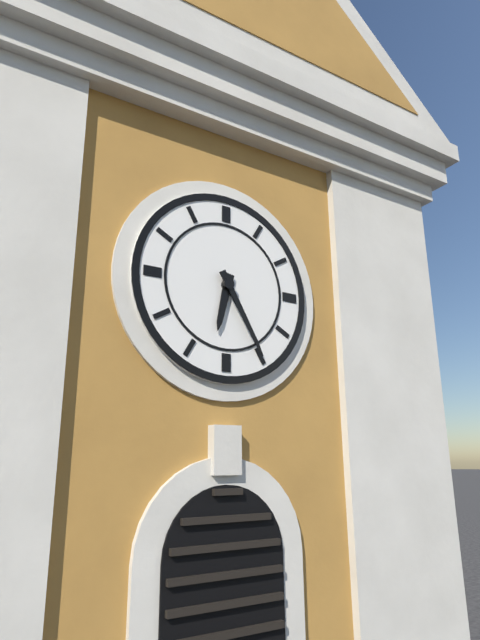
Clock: 6 h 25 min
